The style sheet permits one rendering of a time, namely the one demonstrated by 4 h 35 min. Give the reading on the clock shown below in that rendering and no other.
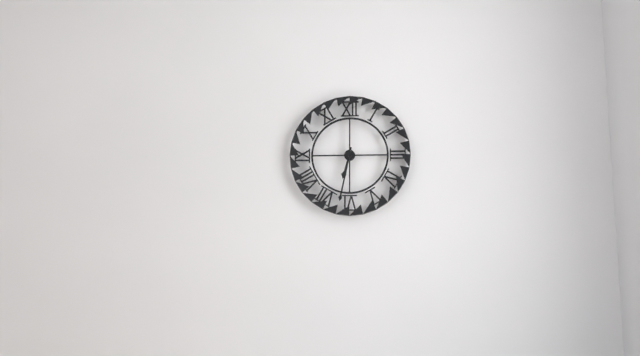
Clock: 6 h 32 min
